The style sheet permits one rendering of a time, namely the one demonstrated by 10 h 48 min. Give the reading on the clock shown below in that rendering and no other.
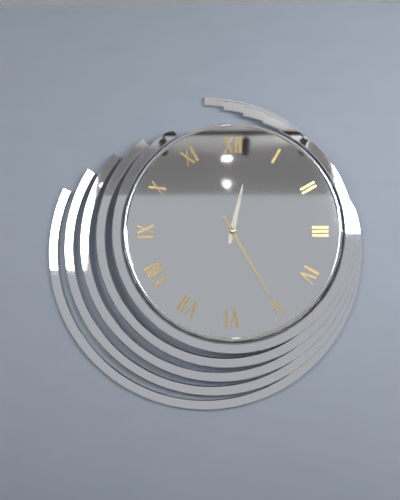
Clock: 12 h 25 min
